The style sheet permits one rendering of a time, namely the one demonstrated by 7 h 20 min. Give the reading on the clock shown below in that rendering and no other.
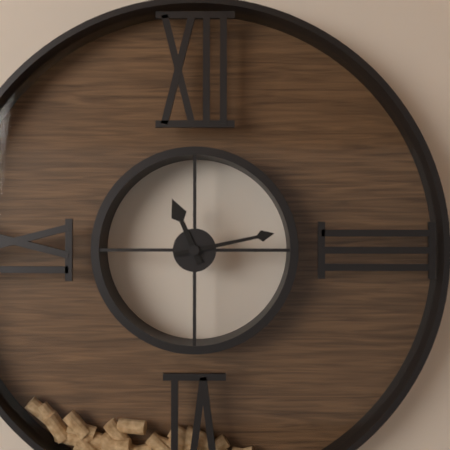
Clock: 11 h 13 min
